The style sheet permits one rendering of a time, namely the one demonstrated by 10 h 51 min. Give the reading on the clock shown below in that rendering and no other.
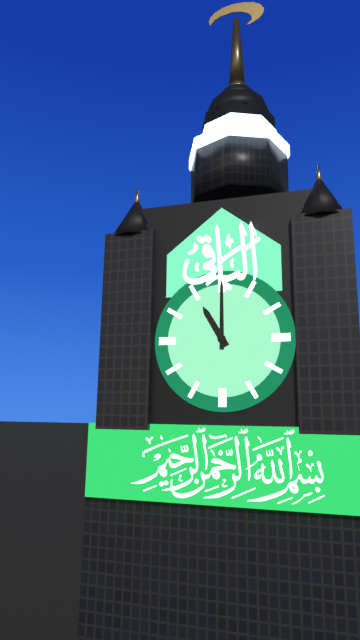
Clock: 11 h 00 min
